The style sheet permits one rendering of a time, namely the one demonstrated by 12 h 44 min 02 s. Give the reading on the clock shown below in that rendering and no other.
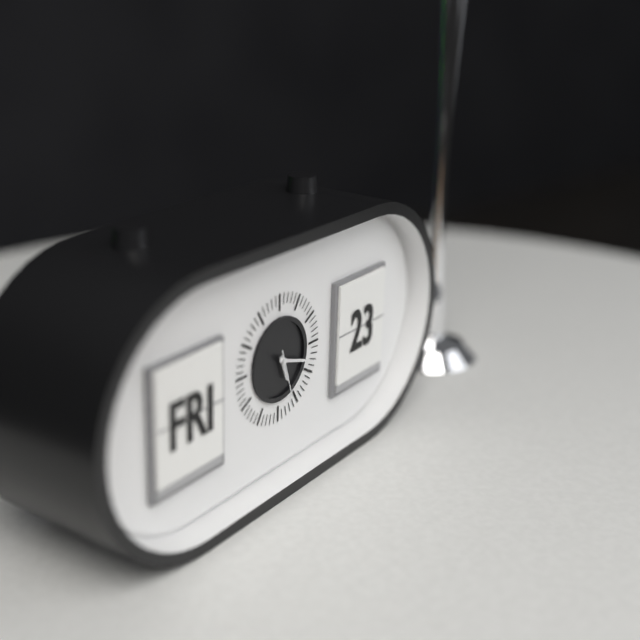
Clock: 5 h 18 min 27 s
